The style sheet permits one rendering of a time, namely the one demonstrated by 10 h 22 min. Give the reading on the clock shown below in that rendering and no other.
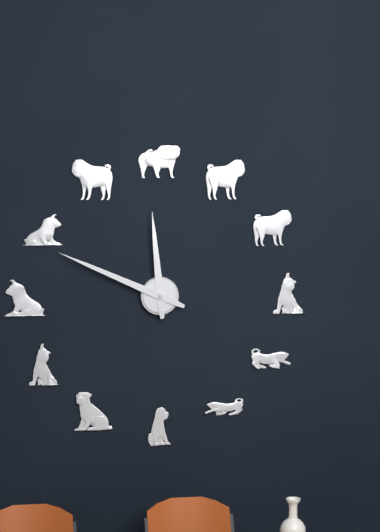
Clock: 11 h 49 min
